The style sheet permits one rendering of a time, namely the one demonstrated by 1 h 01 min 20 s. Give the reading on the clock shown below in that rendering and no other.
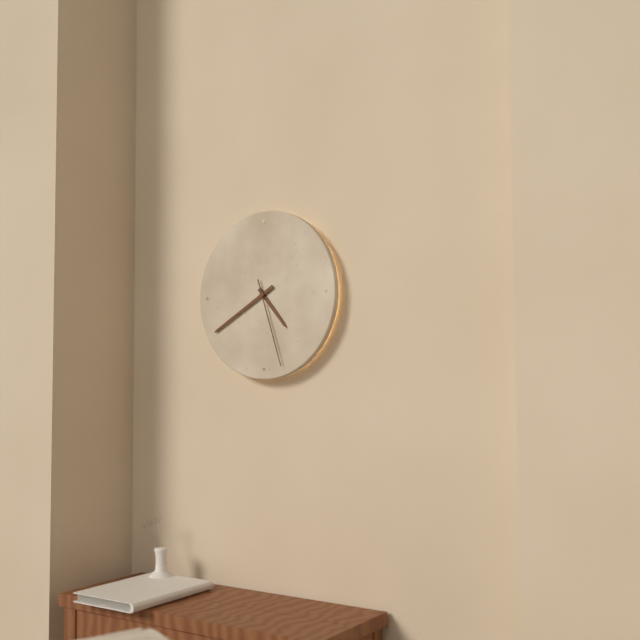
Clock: 4 h 40 min 27 s
